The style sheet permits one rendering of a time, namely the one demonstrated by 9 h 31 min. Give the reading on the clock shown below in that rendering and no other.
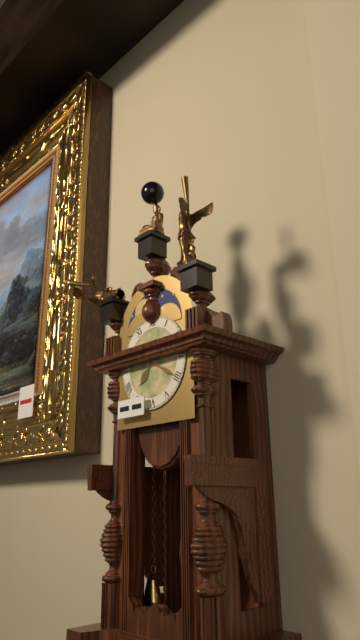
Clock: 7 h 20 min
